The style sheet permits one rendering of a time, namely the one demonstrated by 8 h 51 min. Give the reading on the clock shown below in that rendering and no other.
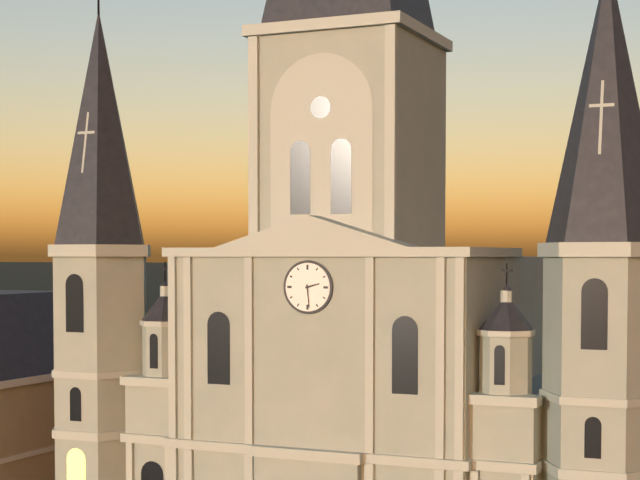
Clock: 2 h 29 min
